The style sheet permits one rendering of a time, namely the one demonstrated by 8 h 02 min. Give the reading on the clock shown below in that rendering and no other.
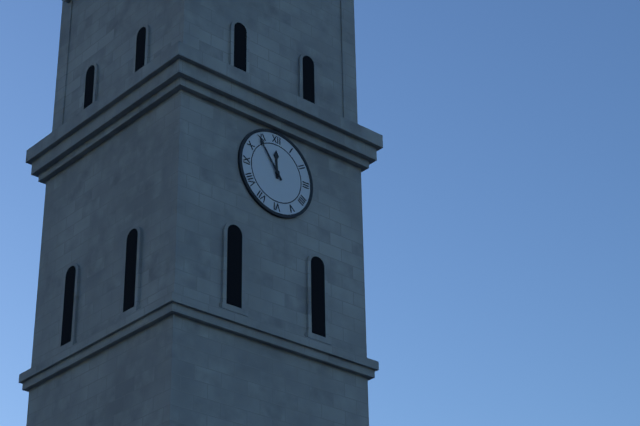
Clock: 11 h 54 min
